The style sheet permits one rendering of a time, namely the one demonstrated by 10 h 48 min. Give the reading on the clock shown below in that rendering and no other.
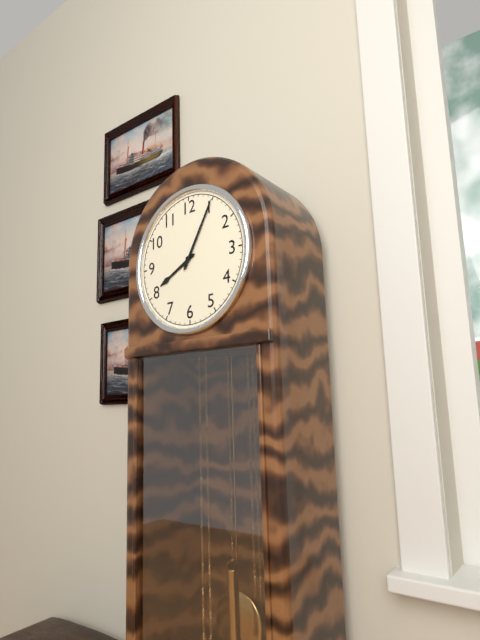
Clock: 8 h 05 min
